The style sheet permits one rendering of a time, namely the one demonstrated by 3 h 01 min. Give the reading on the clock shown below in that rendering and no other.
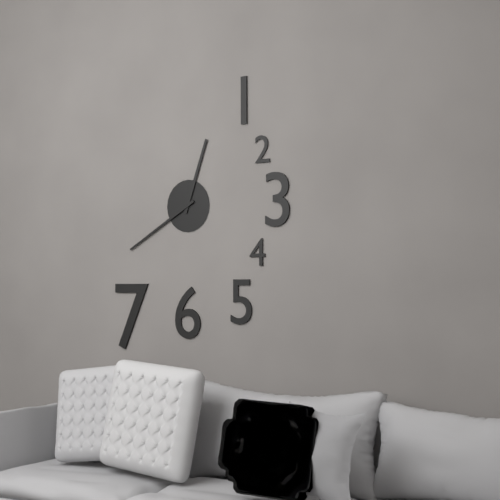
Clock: 12 h 40 min
